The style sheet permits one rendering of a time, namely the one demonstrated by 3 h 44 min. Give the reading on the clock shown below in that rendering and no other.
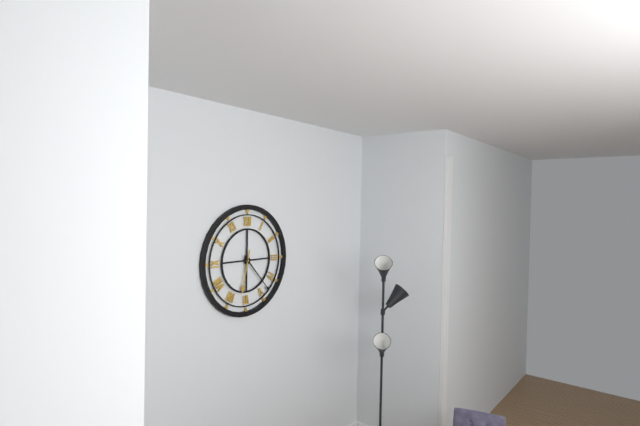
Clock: 6 h 23 min
